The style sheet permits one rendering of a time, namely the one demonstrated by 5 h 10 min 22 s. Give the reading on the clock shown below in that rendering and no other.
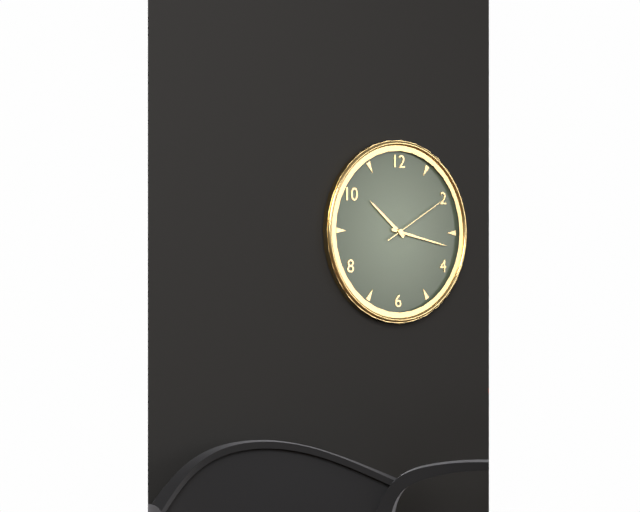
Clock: 10 h 17 min 10 s
